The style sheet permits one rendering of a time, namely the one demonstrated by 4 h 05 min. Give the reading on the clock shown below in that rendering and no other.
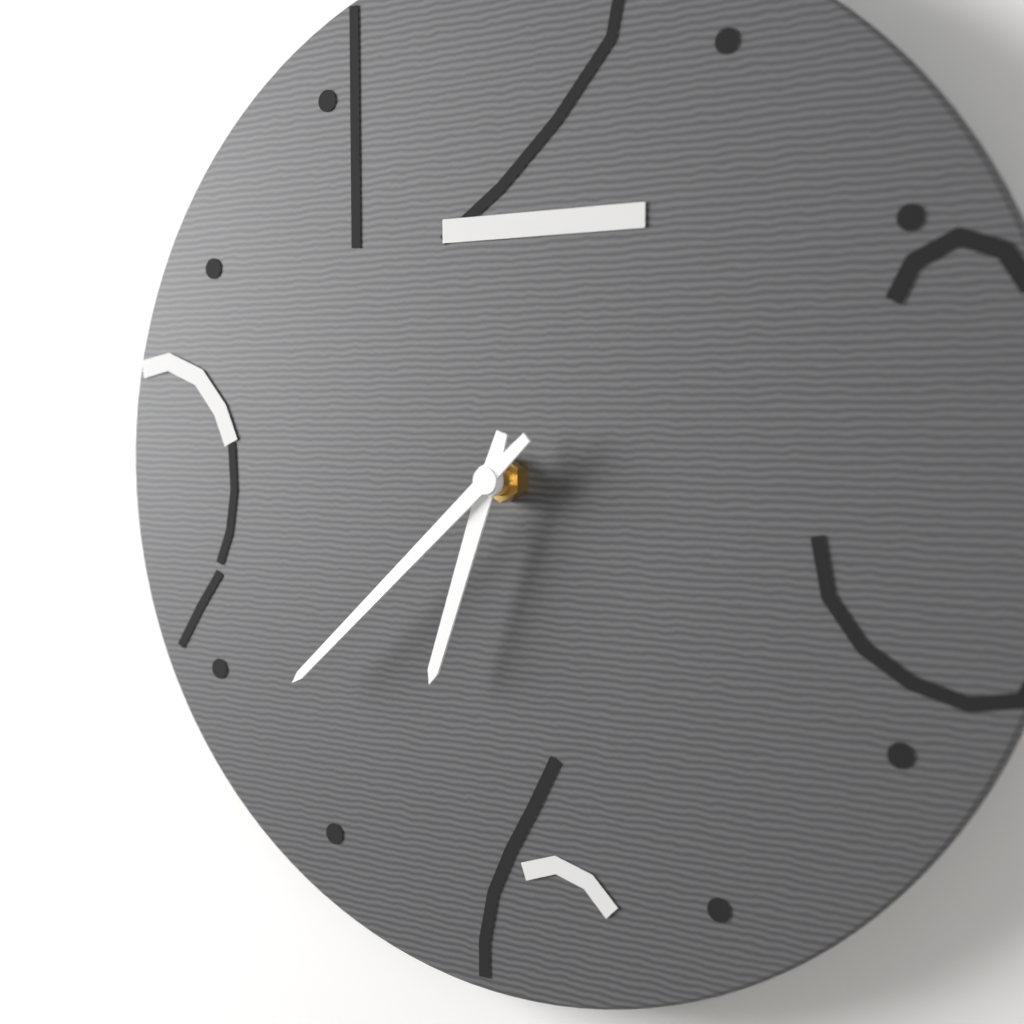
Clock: 6 h 38 min
